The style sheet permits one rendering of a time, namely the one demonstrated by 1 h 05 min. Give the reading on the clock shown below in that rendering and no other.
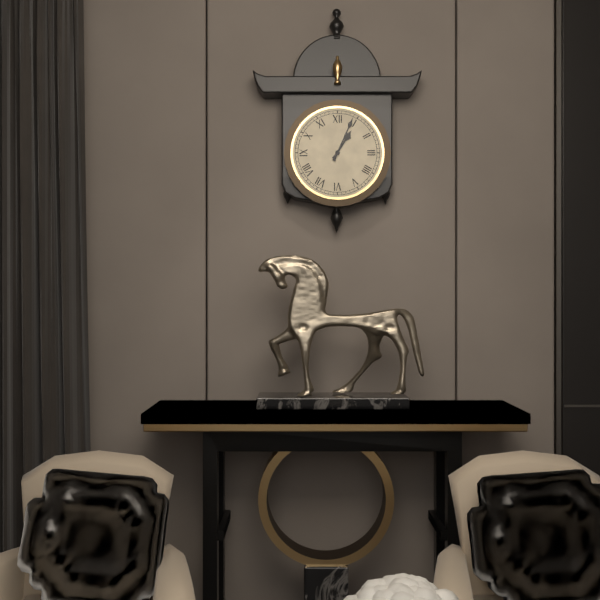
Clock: 1 h 04 min
